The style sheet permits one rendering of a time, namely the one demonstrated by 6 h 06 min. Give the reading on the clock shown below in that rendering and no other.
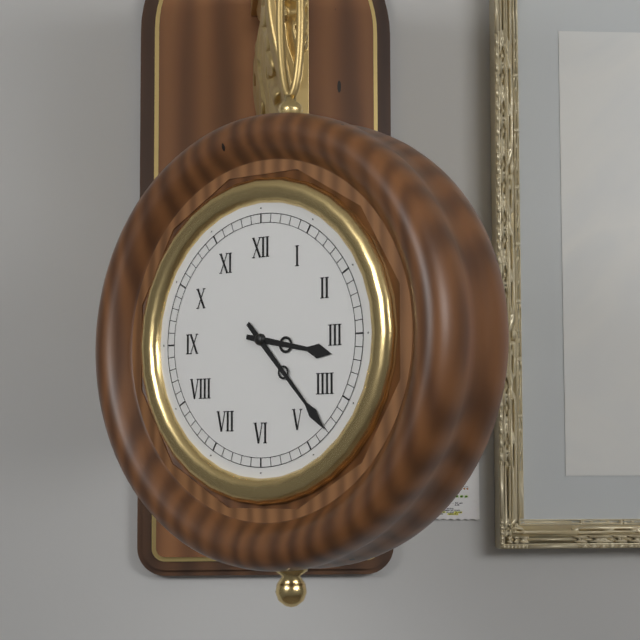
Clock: 3 h 23 min
